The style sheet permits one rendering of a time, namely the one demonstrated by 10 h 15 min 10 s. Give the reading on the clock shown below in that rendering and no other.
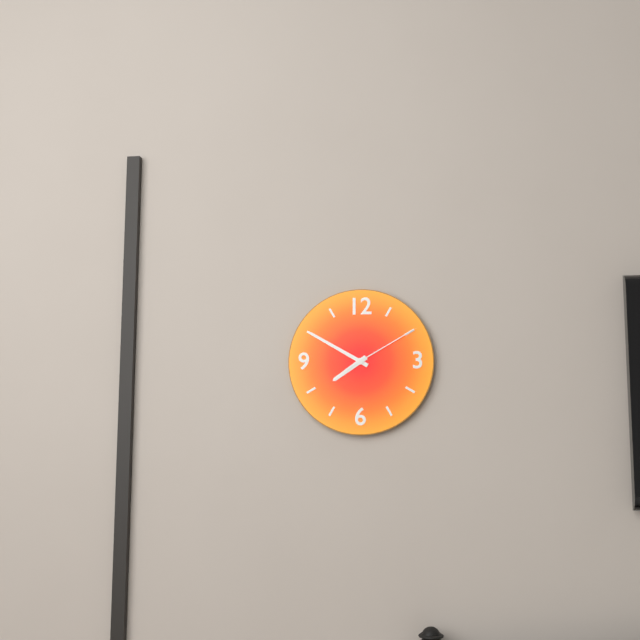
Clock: 7 h 50 min 10 s
